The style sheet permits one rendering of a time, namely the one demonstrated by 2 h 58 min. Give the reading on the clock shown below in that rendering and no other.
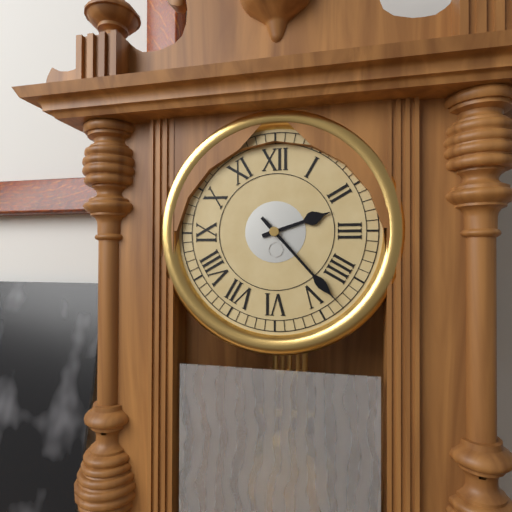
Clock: 2 h 23 min
